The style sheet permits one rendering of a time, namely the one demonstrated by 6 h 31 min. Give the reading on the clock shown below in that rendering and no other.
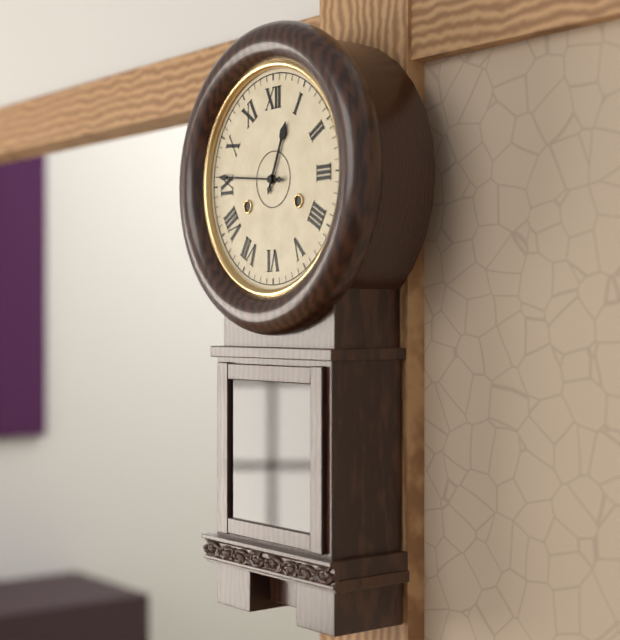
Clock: 12 h 46 min
